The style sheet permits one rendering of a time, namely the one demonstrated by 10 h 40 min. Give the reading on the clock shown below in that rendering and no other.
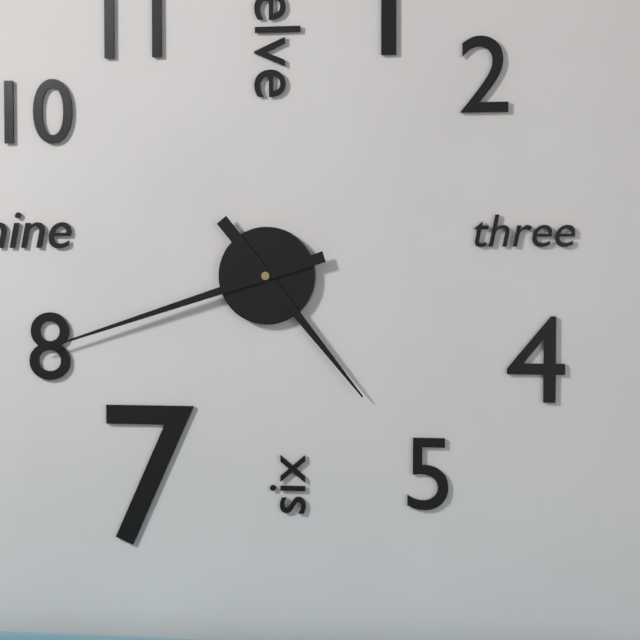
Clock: 4 h 42 min
